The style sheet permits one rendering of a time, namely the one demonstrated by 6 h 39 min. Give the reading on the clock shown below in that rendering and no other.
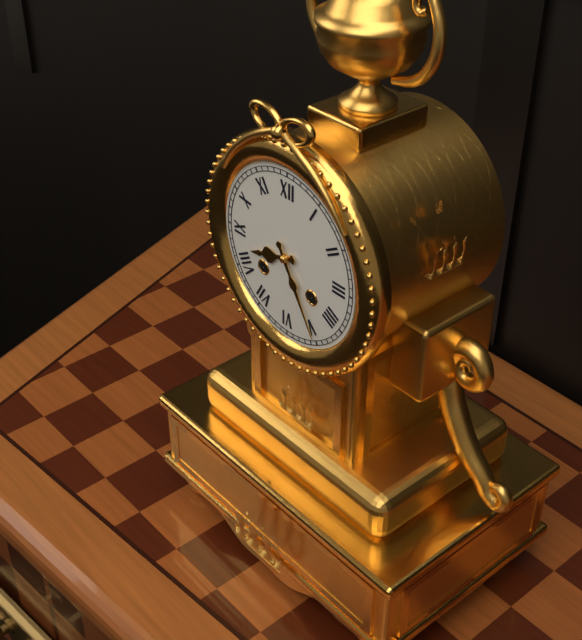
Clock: 8 h 25 min
